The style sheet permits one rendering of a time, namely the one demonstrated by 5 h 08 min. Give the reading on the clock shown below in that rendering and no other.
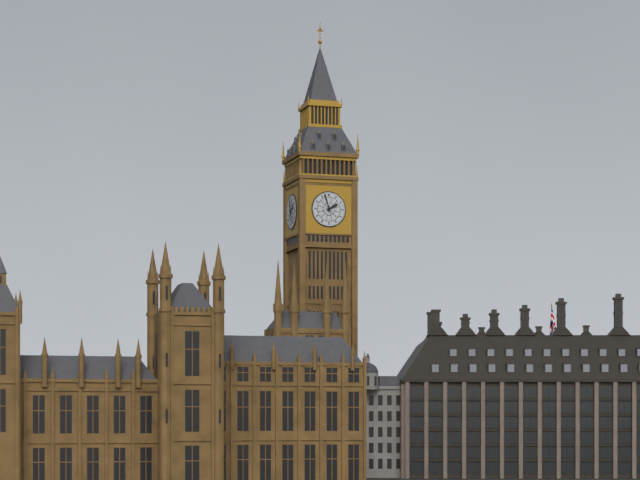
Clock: 1 h 57 min
